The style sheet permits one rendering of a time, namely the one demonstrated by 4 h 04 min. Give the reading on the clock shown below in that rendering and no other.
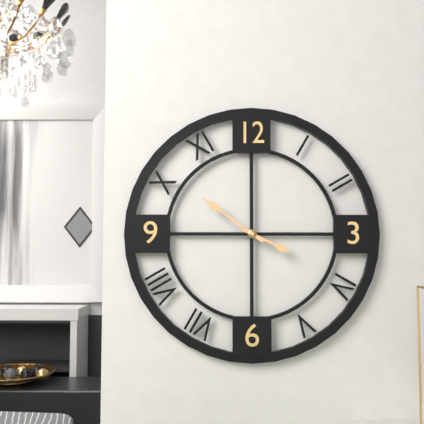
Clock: 3 h 51 min
